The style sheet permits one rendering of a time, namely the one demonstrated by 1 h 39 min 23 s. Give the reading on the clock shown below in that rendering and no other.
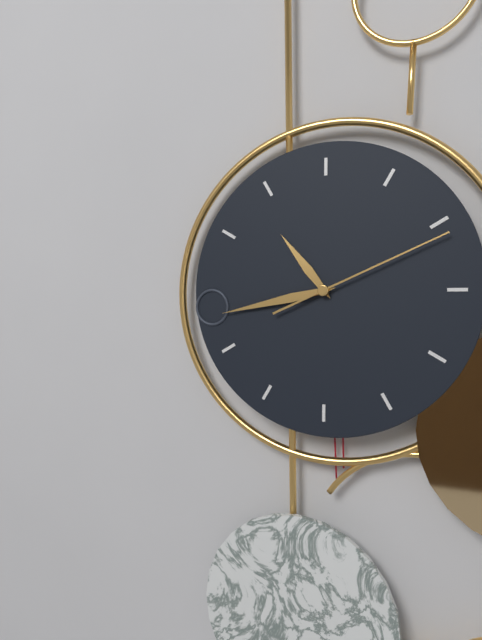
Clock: 10 h 43 min 11 s
